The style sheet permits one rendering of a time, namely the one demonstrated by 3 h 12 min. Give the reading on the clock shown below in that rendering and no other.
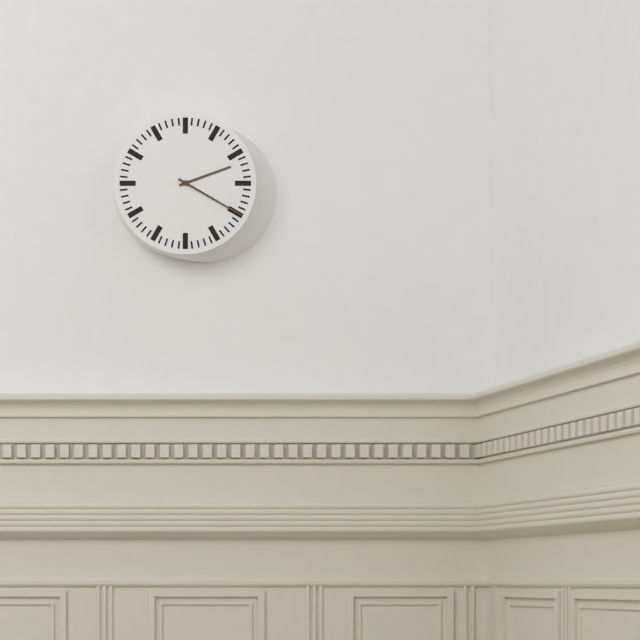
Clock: 2 h 20 min
